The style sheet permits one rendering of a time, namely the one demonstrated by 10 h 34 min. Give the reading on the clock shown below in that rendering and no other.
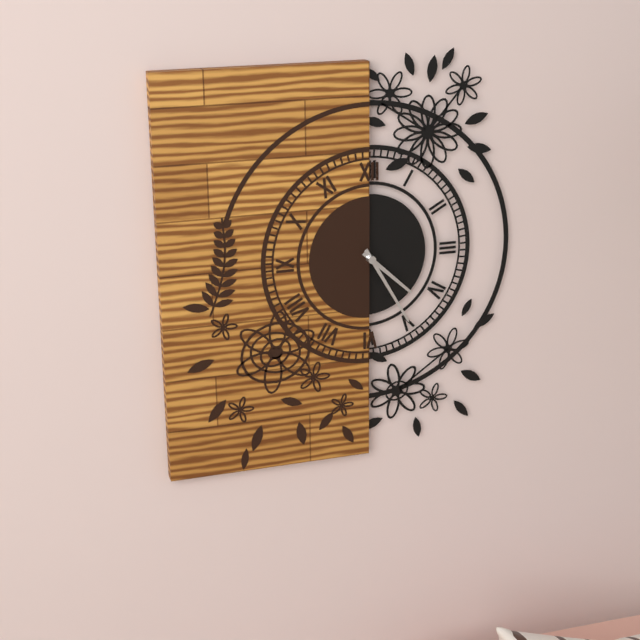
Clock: 4 h 25 min
